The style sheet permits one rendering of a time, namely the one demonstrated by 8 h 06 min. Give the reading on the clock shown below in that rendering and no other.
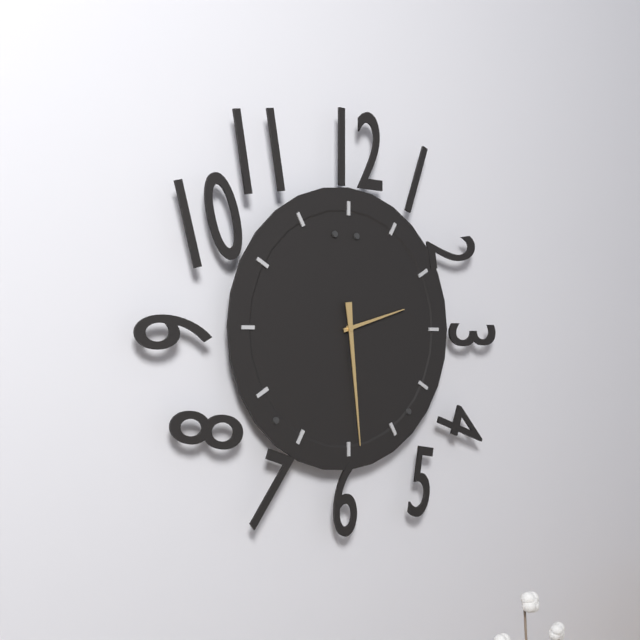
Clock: 2 h 29 min
